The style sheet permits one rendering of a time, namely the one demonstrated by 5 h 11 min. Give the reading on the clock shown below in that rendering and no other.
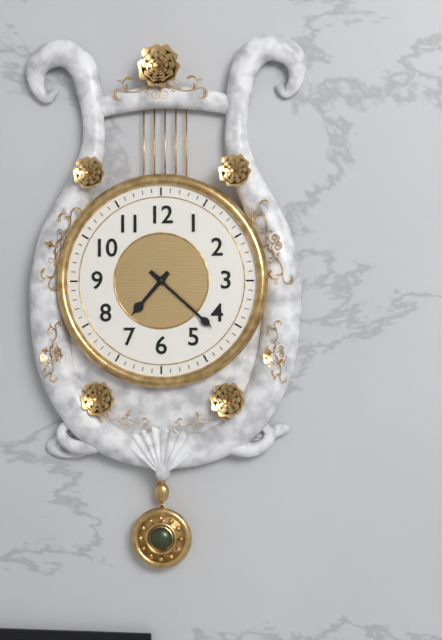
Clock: 7 h 22 min
